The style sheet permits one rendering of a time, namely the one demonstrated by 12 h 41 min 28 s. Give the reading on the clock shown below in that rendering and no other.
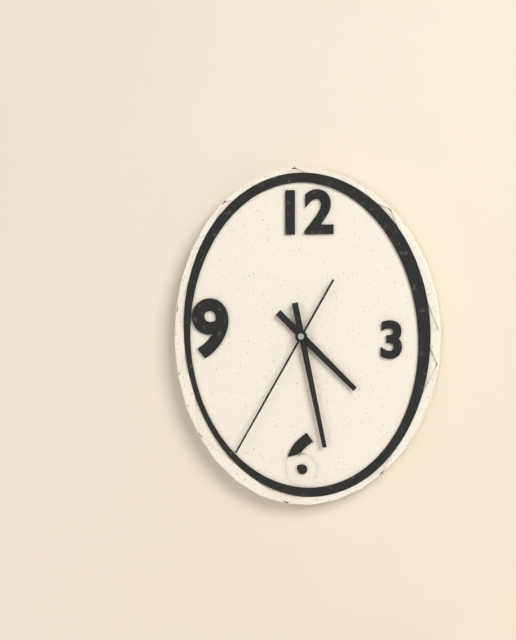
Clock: 4 h 28 min 35 s
